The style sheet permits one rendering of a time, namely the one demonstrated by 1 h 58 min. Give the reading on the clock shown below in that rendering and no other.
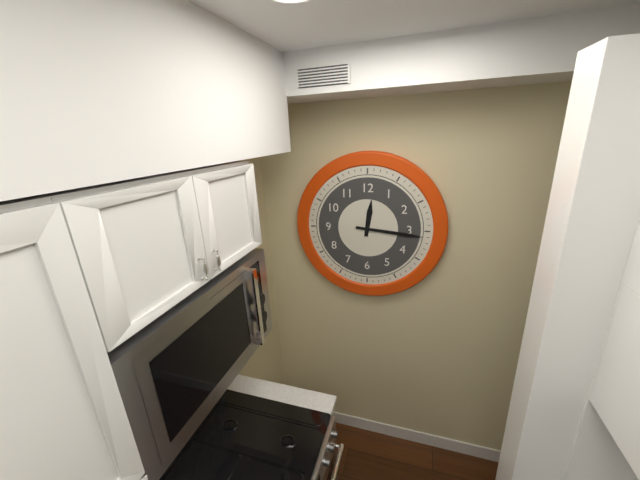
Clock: 12 h 16 min
